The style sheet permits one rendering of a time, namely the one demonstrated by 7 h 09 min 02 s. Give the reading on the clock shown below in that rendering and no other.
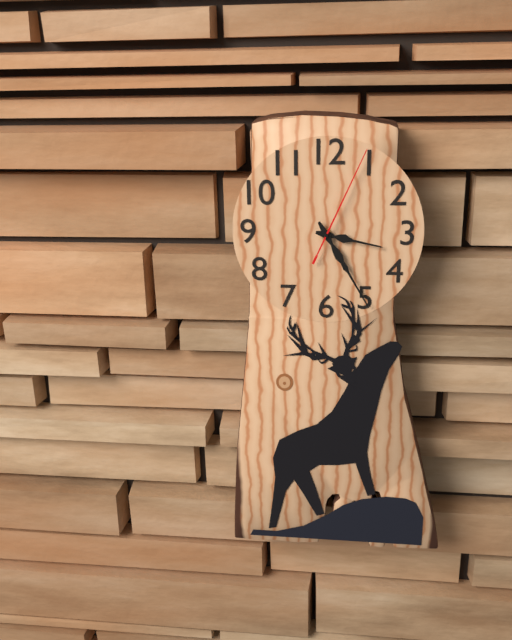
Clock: 3 h 25 min 04 s
